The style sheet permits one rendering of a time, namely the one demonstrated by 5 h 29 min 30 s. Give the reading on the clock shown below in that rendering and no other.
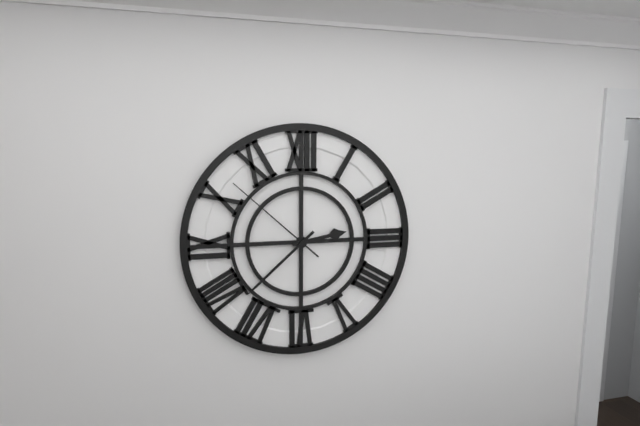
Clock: 2 h 38 min 52 s
